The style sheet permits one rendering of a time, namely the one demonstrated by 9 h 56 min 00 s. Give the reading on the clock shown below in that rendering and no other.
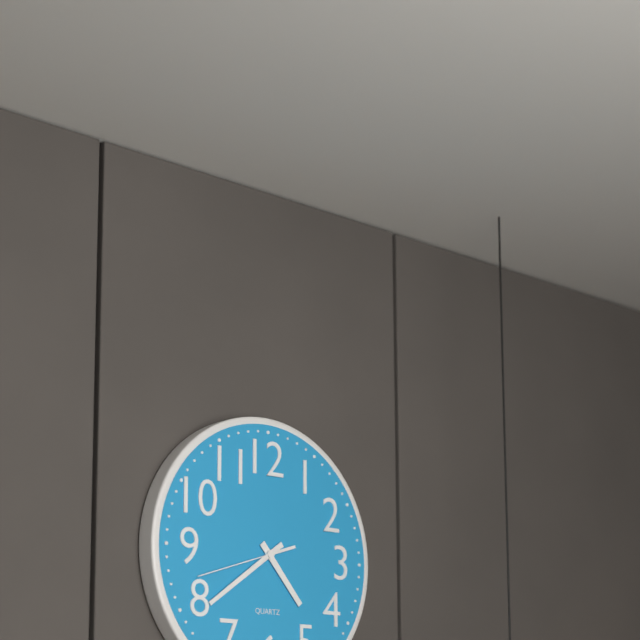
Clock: 4 h 39 min 42 s
